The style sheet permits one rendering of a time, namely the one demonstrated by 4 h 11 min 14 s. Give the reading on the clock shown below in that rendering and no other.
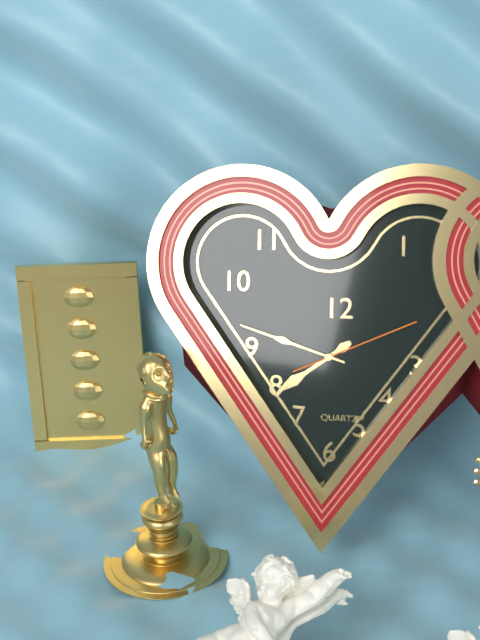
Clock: 7 h 48 min 11 s
